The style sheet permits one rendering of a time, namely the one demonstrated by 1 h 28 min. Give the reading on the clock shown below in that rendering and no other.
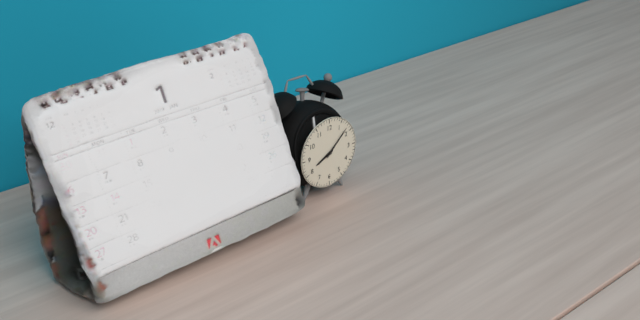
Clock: 8 h 08 min
